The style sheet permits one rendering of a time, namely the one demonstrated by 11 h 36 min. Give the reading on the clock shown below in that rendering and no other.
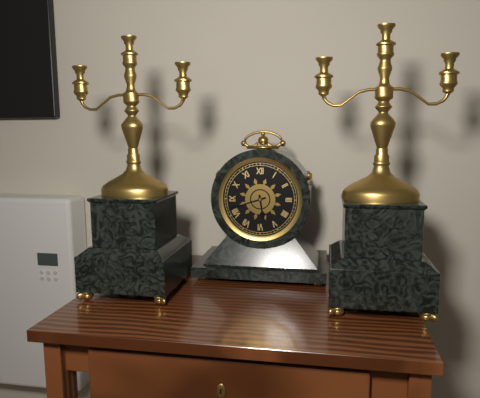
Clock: 5 h 42 min
